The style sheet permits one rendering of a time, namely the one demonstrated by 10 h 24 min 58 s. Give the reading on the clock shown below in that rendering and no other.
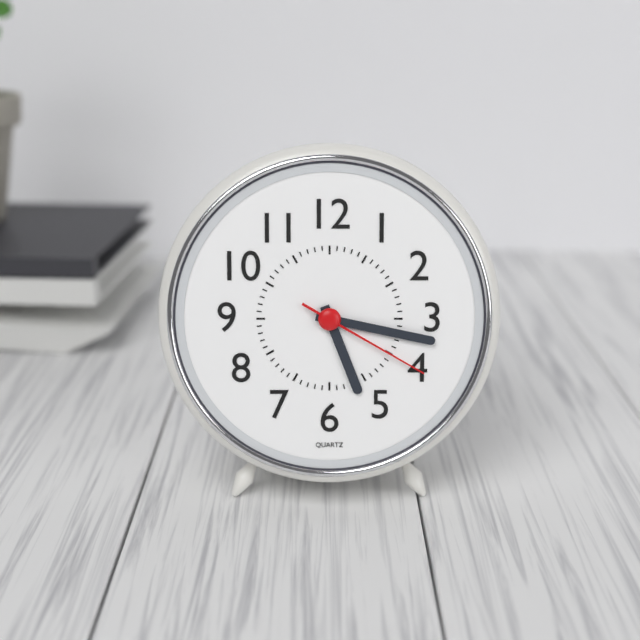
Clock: 5 h 17 min 20 s
